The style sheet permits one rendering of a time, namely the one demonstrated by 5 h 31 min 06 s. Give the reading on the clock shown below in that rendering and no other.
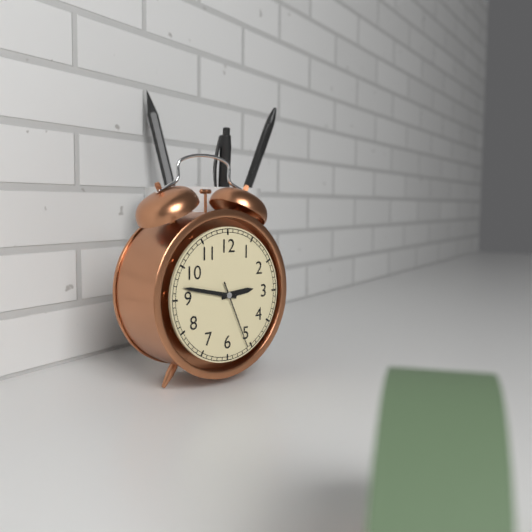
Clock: 2 h 47 min 26 s
